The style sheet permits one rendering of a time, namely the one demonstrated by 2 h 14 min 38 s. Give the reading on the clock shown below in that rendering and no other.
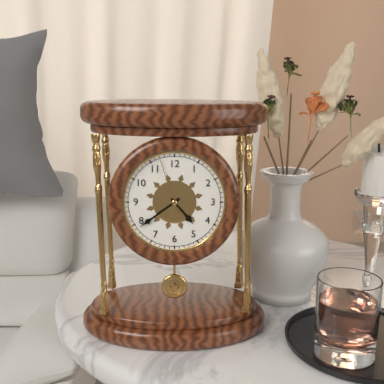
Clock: 4 h 39 min 57 s
